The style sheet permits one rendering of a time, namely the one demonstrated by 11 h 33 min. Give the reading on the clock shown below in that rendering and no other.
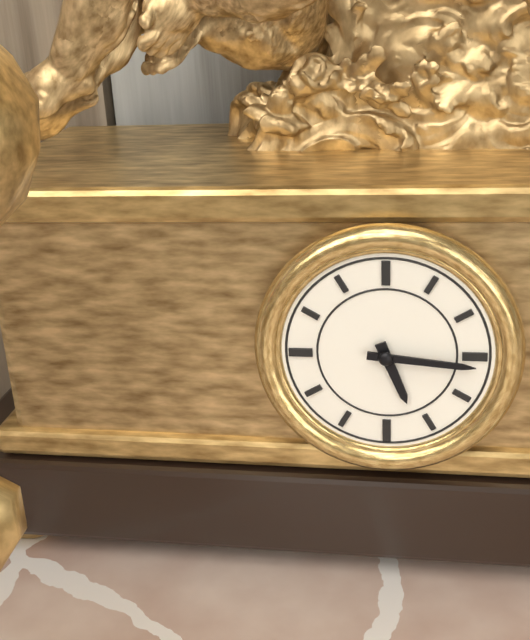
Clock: 5 h 16 min
